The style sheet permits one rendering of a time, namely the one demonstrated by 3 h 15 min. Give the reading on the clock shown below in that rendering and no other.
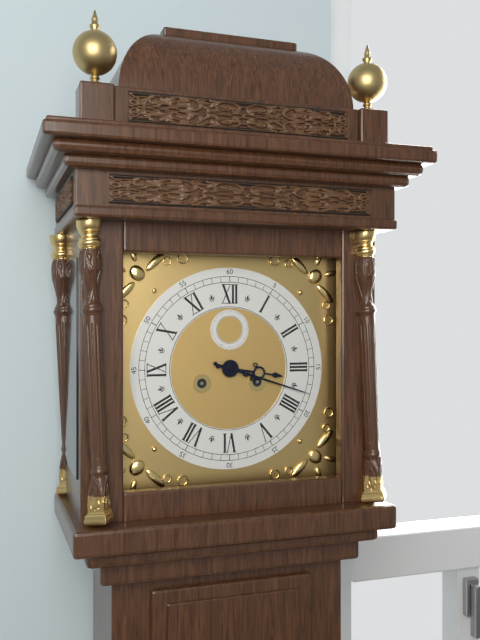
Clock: 3 h 18 min
